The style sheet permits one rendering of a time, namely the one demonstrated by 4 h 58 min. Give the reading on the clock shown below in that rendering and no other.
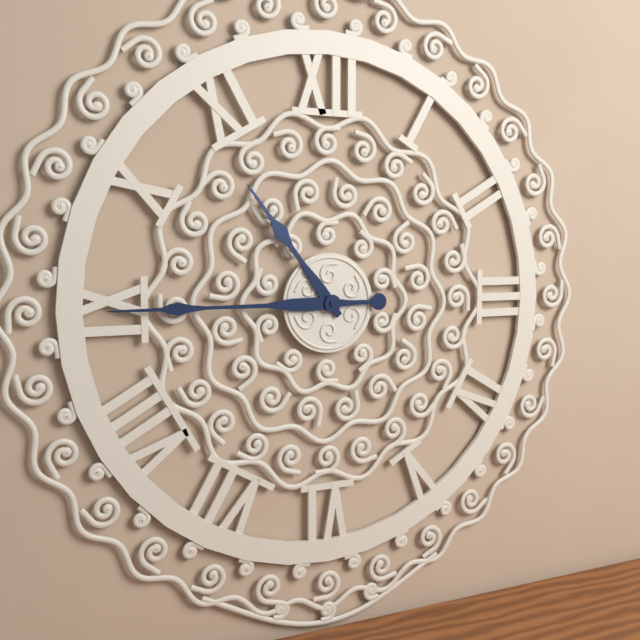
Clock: 10 h 45 min
